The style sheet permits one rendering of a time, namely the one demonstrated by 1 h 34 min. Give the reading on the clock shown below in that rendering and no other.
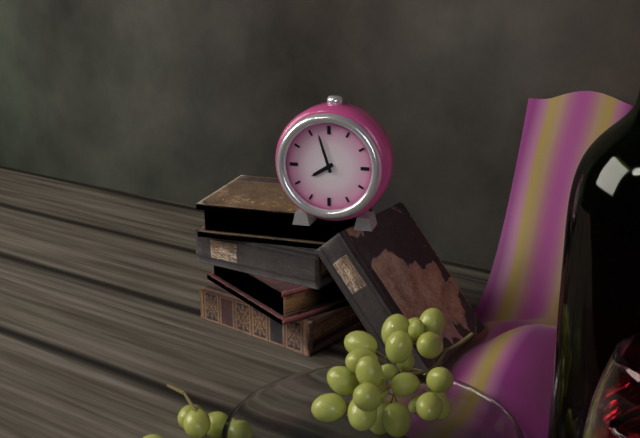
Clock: 7 h 57 min
